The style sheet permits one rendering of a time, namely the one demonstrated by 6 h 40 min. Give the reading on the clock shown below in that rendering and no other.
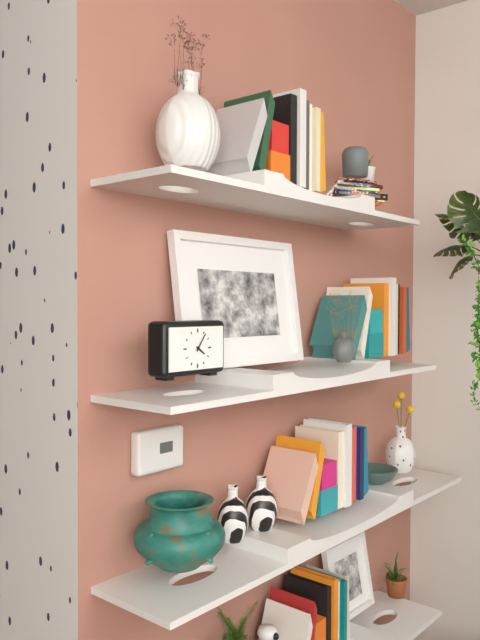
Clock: 4 h 06 min
